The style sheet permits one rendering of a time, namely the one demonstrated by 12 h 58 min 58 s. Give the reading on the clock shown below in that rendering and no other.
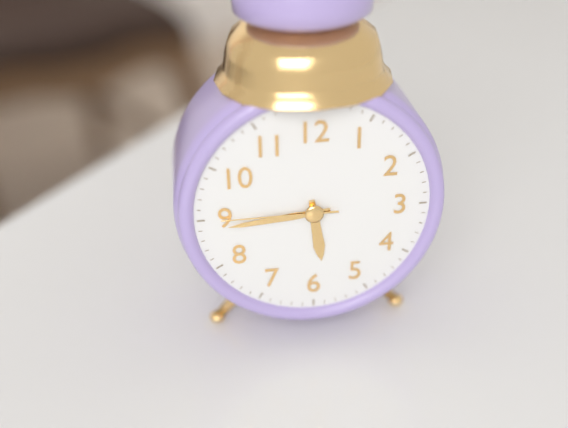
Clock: 5 h 44 min 45 s
